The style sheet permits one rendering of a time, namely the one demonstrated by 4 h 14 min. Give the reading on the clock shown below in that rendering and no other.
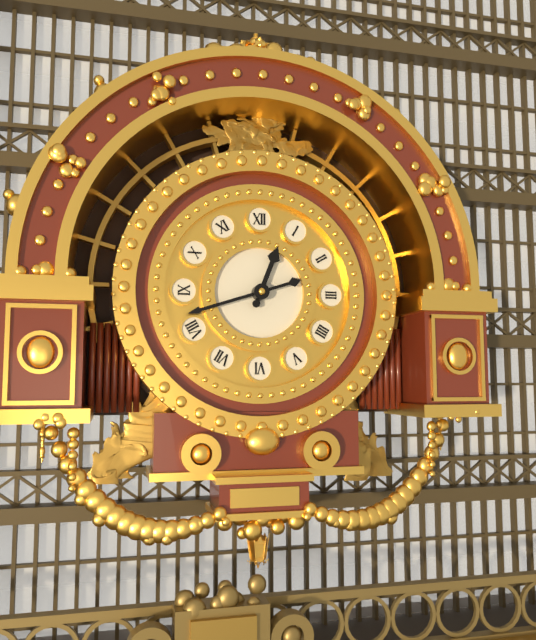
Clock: 12 h 42 min
